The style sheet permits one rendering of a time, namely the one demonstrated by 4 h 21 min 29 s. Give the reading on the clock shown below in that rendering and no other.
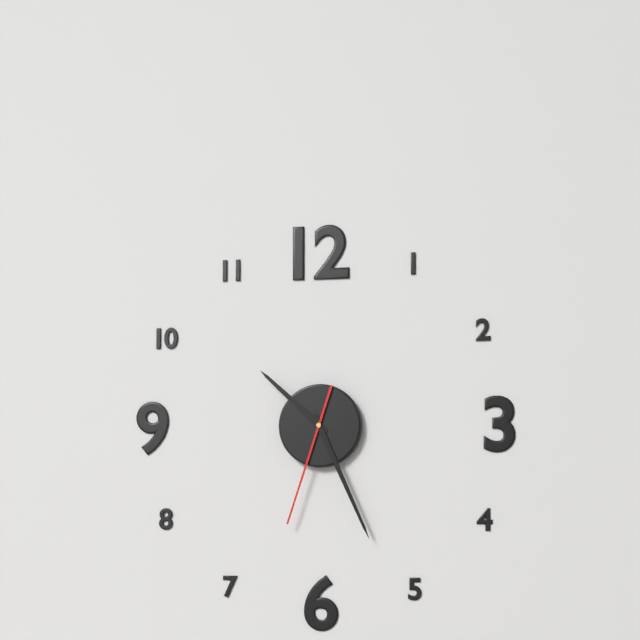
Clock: 10 h 26 min 33 s
